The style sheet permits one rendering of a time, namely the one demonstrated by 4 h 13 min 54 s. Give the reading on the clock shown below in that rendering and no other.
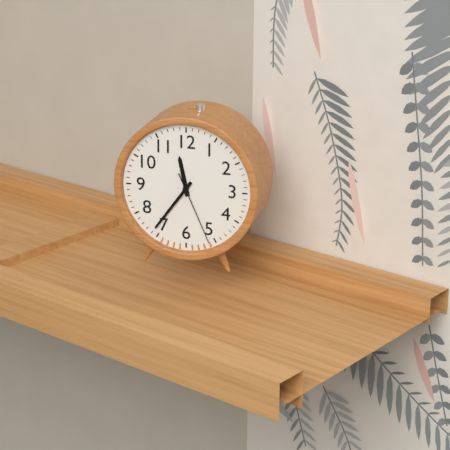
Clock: 11 h 36 min 26 s
